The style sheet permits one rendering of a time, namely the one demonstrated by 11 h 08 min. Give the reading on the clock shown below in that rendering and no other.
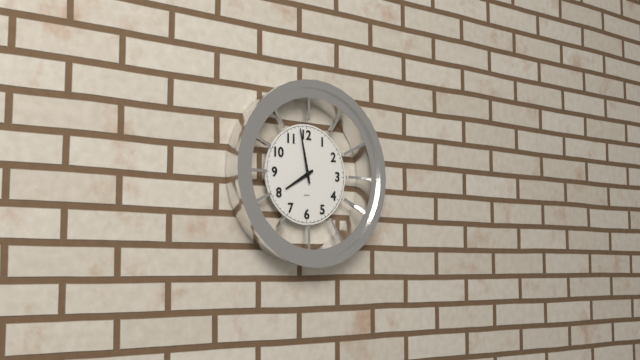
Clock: 7 h 58 min
